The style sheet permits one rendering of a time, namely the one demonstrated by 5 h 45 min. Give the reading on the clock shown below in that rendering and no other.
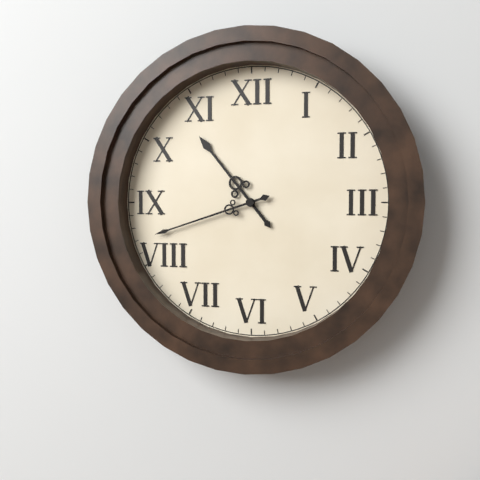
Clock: 10 h 42 min
